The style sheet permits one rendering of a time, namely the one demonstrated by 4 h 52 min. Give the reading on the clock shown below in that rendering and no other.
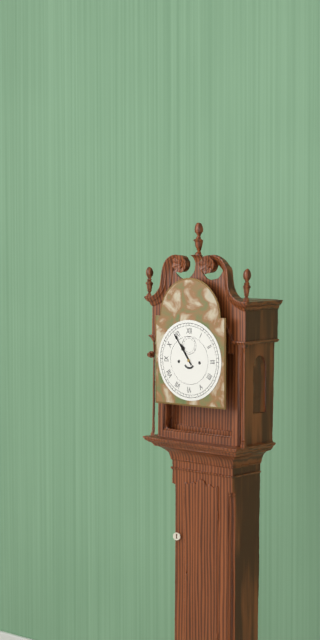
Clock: 10 h 54 min
